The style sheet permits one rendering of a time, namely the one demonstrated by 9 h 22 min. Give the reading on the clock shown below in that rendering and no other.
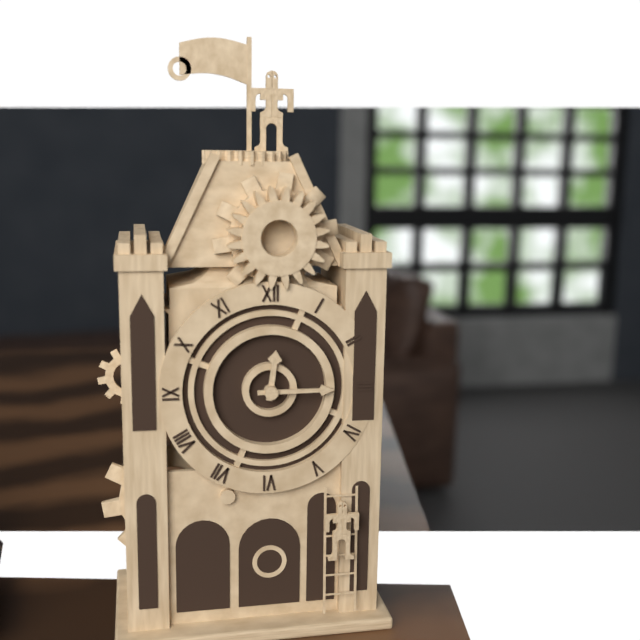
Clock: 12 h 15 min
